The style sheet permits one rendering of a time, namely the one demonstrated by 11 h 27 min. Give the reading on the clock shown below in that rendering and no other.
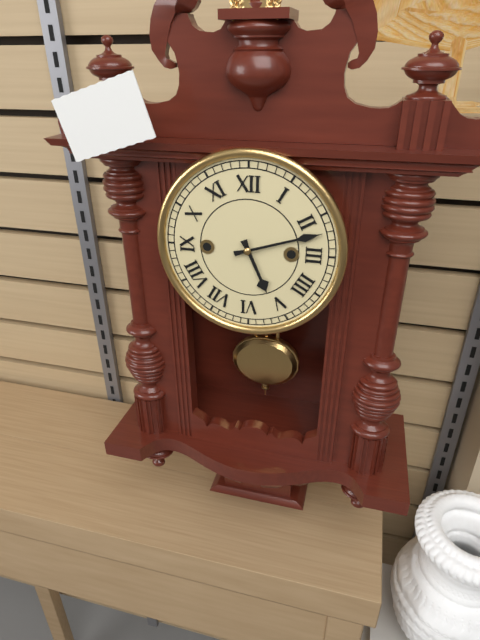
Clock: 5 h 12 min
